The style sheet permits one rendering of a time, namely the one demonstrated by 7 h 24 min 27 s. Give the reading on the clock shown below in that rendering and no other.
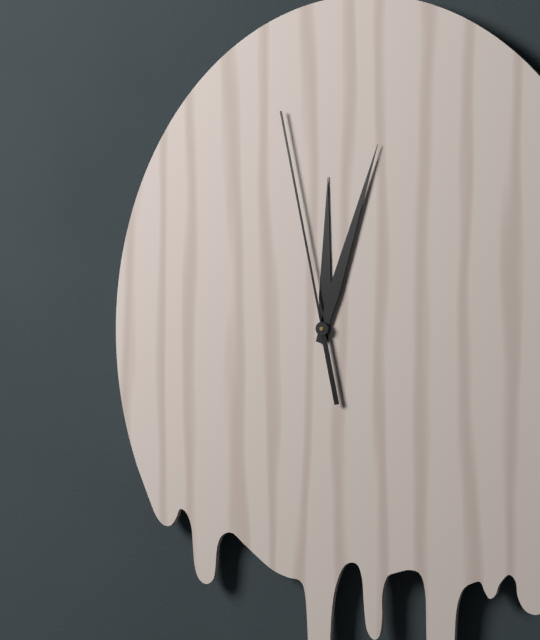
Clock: 12 h 03 min 58 s
